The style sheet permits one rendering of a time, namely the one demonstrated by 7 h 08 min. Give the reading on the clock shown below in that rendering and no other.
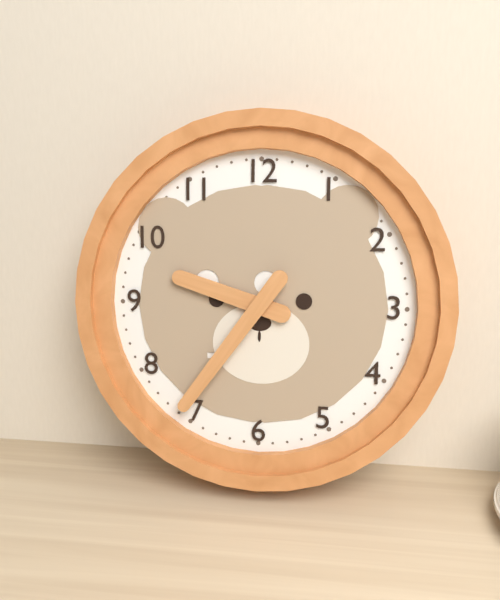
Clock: 9 h 36 min
